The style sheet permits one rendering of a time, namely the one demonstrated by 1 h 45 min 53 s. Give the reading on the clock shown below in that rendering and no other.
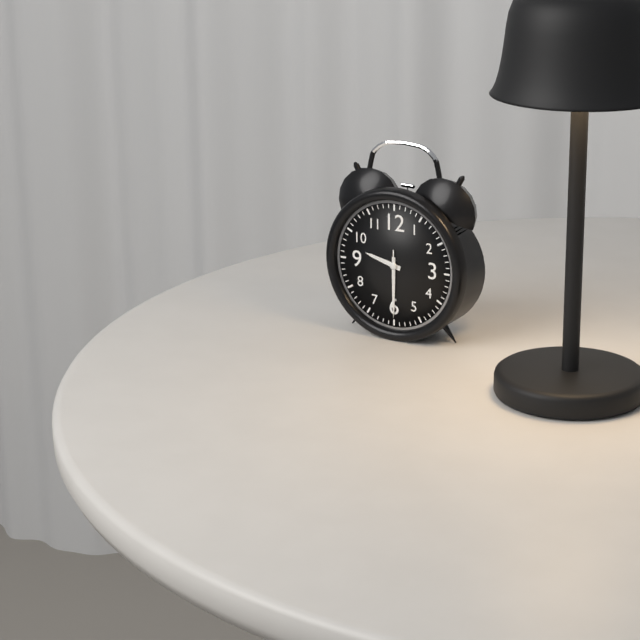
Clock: 9 h 30 min 30 s
